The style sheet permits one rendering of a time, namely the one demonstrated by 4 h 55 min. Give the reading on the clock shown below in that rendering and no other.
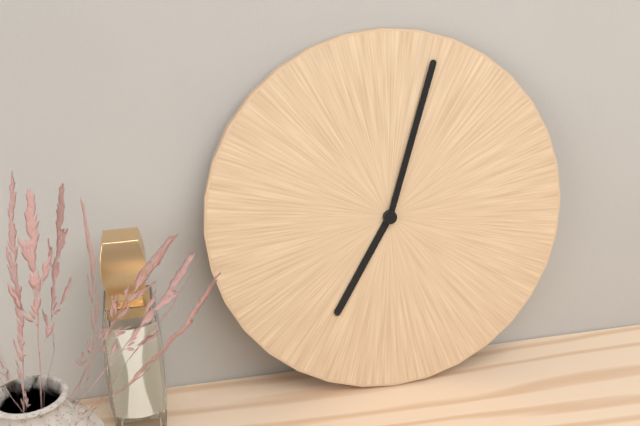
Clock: 7 h 03 min
